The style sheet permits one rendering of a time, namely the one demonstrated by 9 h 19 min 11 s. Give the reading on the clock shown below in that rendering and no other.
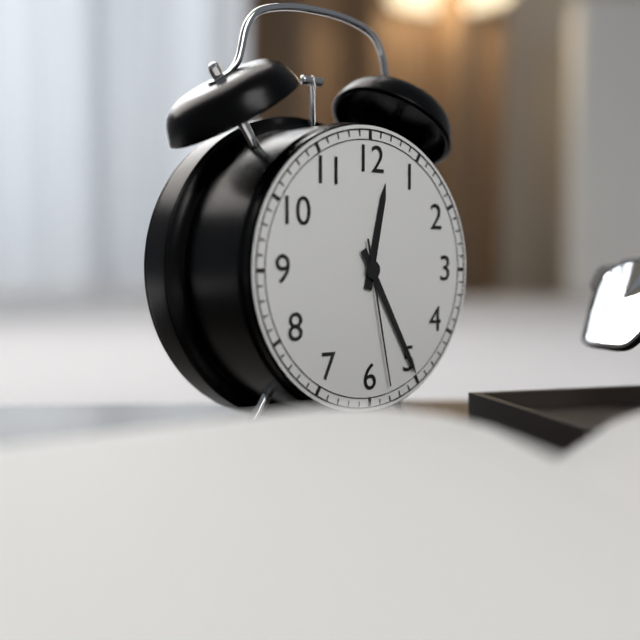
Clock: 12 h 25 min 28 s
